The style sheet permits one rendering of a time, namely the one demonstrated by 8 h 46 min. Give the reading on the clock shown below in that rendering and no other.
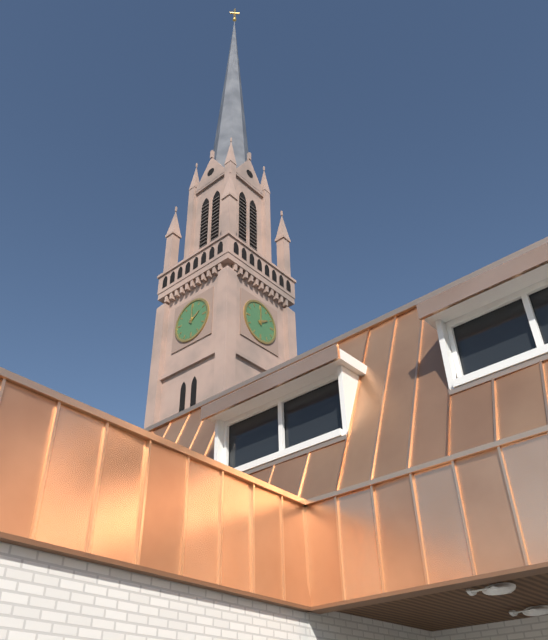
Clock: 2 h 00 min
